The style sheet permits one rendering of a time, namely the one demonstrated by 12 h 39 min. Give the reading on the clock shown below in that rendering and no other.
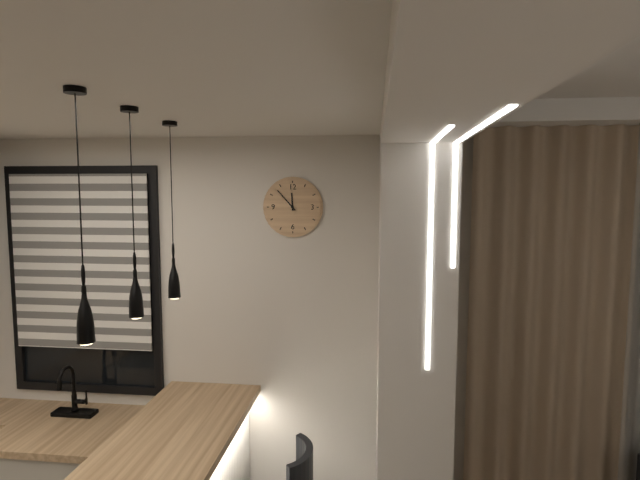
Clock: 11 h 53 min
